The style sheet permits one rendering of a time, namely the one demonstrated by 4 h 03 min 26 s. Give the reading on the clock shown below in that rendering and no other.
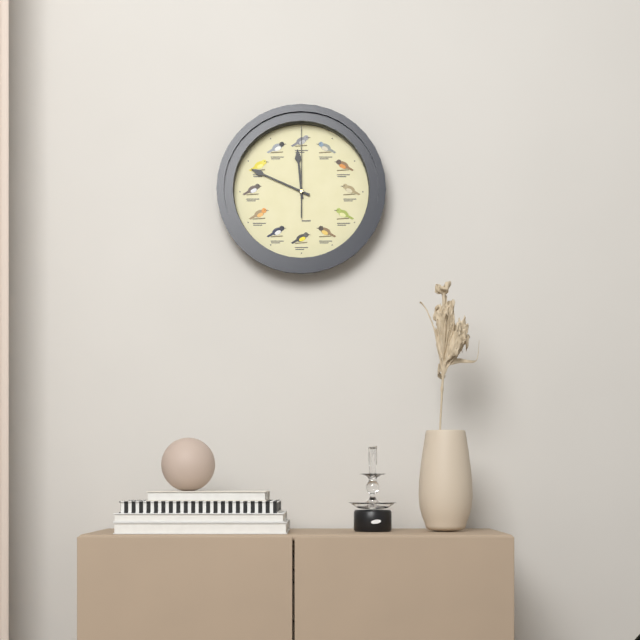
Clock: 11 h 49 min 00 s
